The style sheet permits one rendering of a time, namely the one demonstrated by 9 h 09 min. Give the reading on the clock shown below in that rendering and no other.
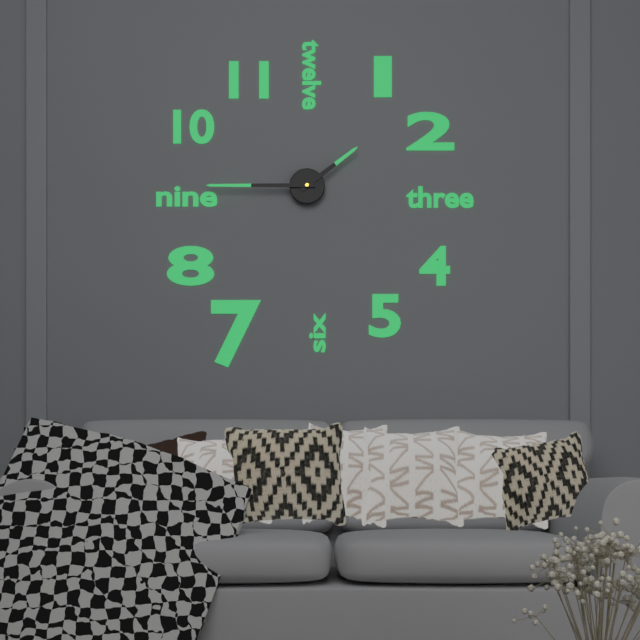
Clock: 1 h 45 min
